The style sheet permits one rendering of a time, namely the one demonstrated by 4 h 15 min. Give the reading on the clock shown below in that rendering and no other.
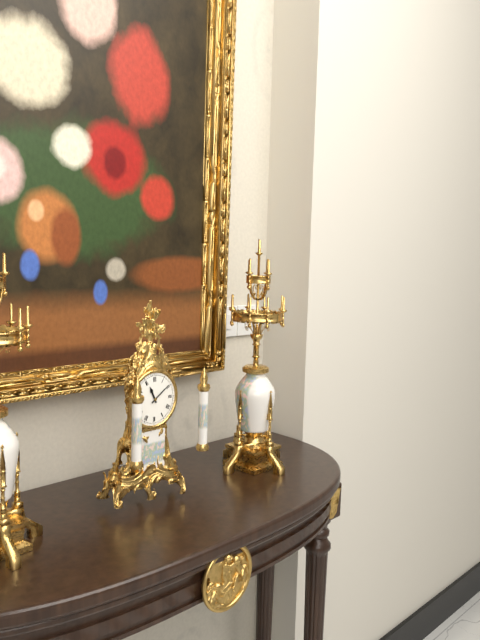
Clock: 11 h 09 min
